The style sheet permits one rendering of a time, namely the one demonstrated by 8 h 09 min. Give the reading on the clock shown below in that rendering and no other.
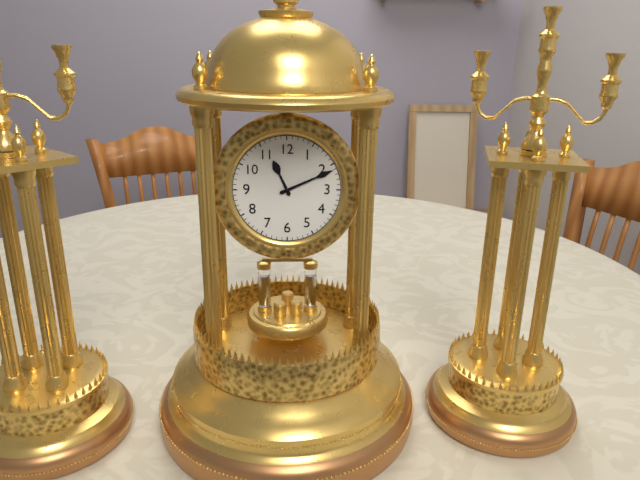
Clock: 11 h 11 min
